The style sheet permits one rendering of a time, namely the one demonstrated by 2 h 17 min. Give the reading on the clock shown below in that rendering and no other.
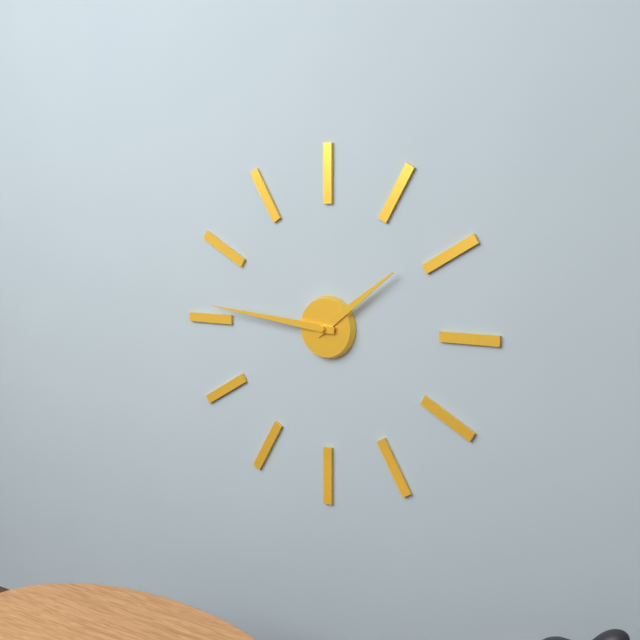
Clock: 1 h 46 min
